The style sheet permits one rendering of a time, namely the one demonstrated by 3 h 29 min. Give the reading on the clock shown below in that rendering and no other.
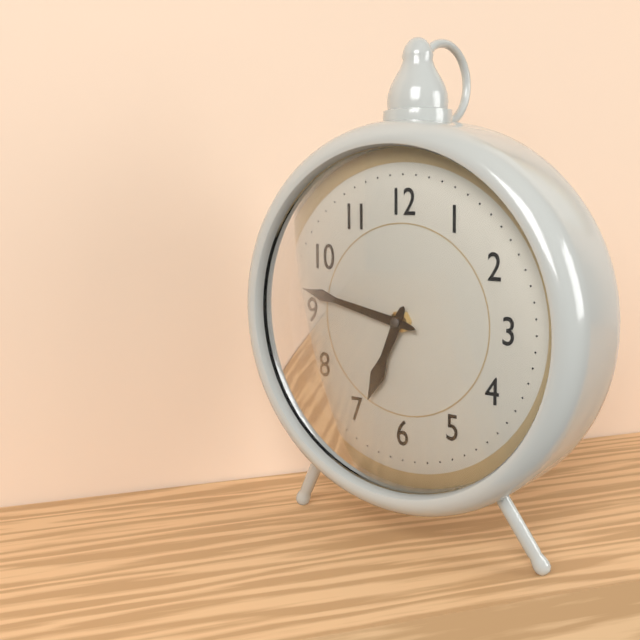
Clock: 6 h 47 min
